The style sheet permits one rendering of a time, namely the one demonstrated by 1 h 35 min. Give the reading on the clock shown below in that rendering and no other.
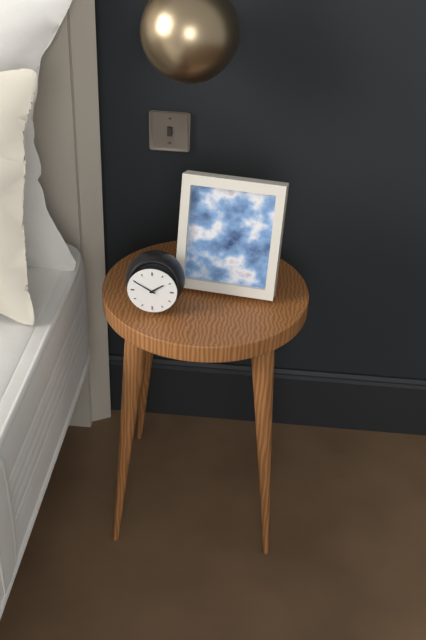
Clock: 1 h 50 min
